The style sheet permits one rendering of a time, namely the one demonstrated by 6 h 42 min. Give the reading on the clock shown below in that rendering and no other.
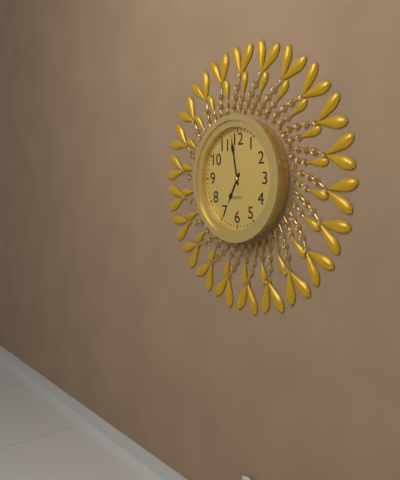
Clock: 6 h 58 min
